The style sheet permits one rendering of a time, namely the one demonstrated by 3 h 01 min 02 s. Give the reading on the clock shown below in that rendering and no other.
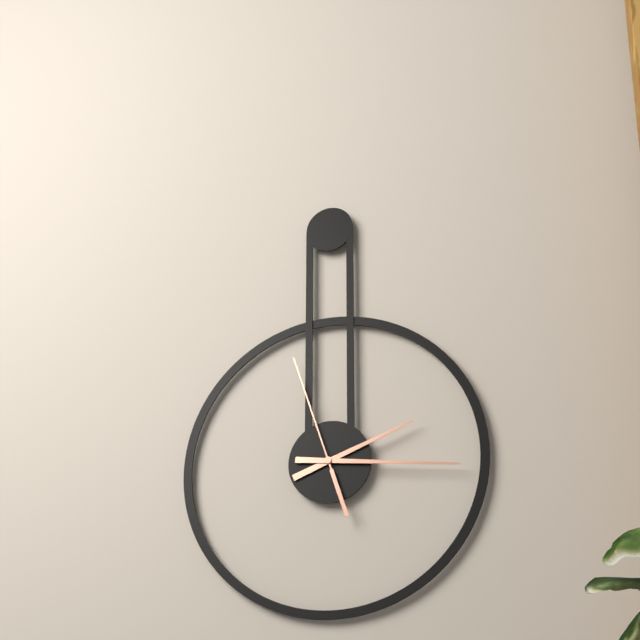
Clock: 2 h 16 min 57 s
